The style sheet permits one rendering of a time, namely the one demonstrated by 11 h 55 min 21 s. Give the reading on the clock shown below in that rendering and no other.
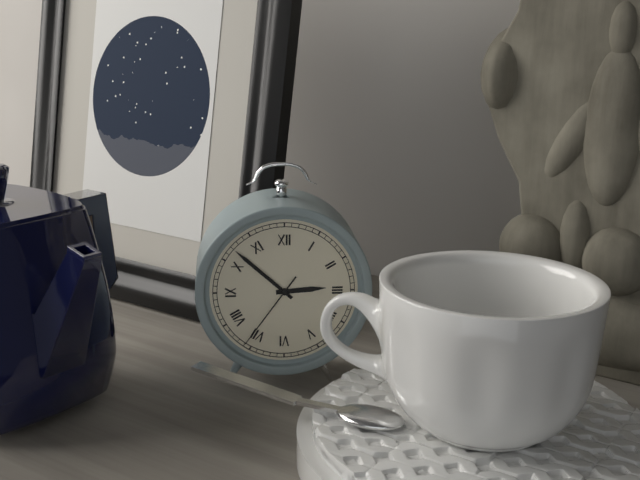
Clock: 2 h 52 min 36 s
